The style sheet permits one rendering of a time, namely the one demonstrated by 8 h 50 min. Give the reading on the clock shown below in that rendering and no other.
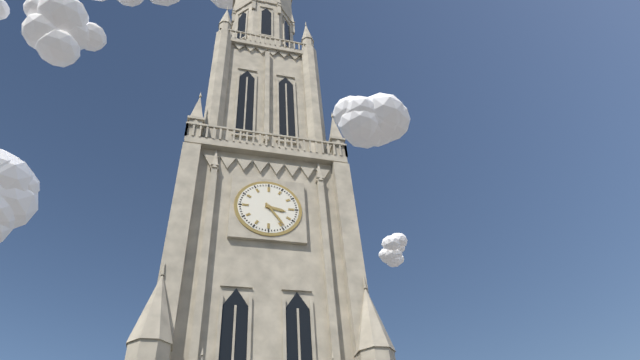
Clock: 3 h 24 min
